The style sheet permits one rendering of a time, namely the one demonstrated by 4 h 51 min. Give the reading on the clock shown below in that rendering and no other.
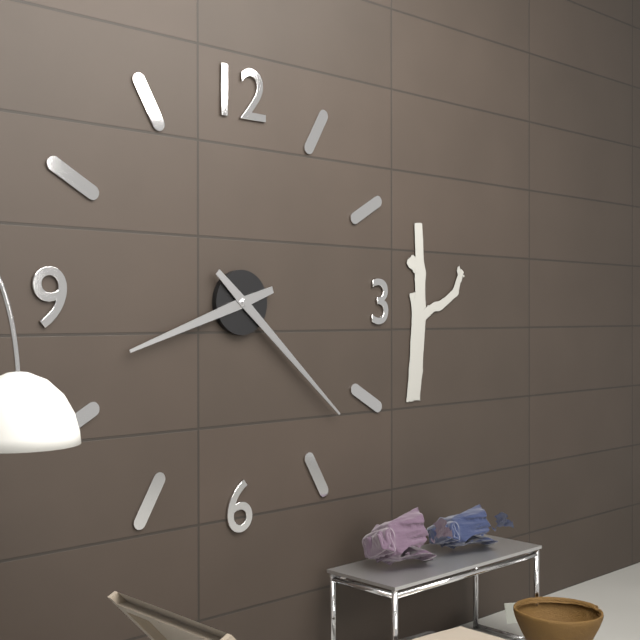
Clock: 8 h 22 min
